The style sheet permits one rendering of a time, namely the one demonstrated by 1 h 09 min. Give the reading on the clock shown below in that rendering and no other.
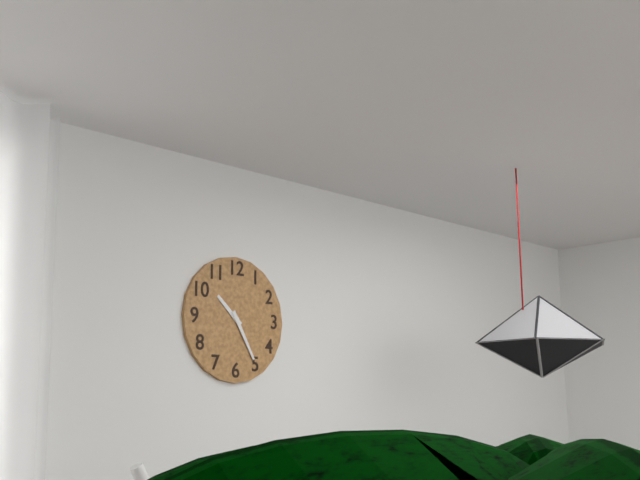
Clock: 10 h 25 min
